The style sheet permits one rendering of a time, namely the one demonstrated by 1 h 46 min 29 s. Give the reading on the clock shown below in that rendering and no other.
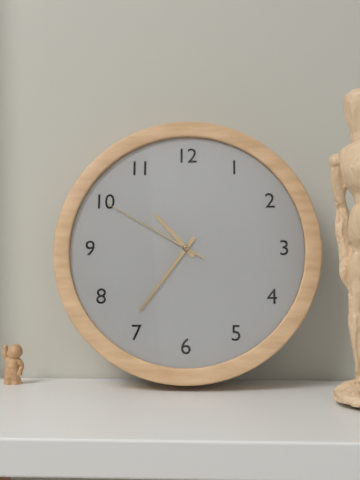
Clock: 10 h 36 min 50 s
